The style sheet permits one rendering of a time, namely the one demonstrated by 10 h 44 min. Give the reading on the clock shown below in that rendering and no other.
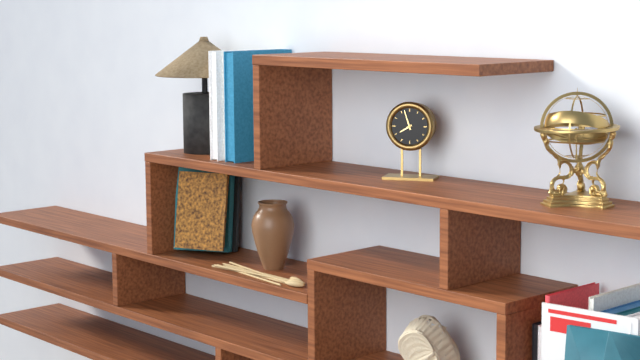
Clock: 7 h 57 min
